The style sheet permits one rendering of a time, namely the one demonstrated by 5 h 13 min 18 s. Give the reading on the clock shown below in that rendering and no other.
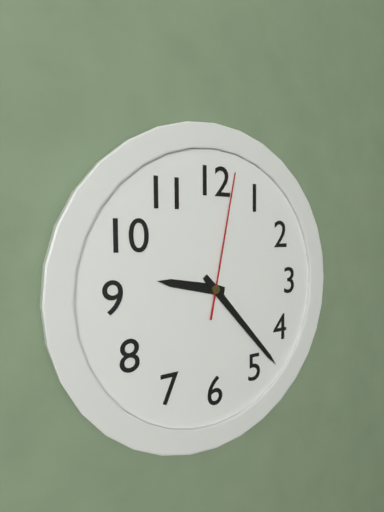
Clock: 9 h 23 min 02 s
